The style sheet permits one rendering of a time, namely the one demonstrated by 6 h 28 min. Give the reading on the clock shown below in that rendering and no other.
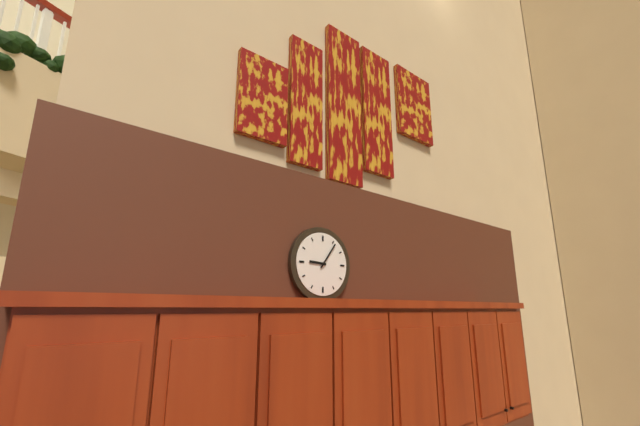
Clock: 9 h 06 min
